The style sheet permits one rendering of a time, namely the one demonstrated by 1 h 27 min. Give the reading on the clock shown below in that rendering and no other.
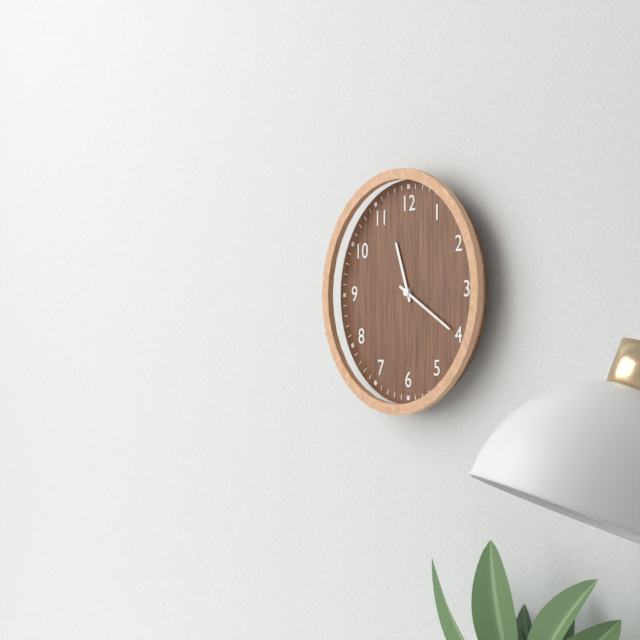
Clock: 11 h 20 min
